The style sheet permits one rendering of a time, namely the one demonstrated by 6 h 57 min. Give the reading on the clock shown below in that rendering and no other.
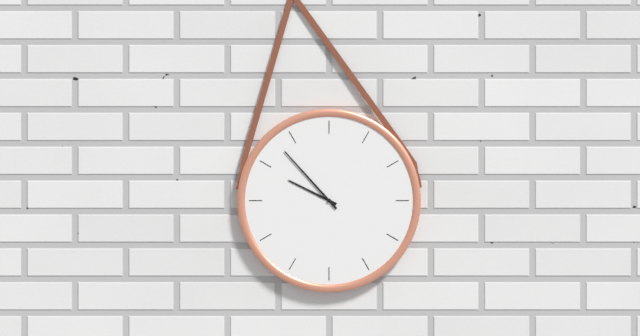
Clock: 9 h 53 min
